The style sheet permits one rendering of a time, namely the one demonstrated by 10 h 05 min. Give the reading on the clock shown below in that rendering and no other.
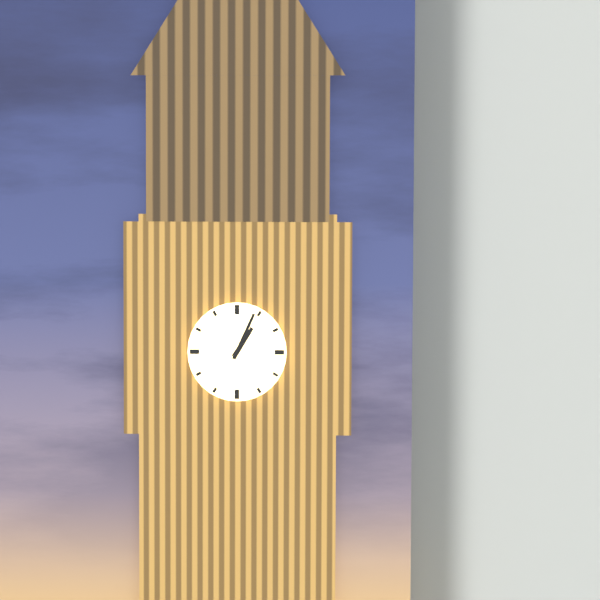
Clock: 1 h 04 min
